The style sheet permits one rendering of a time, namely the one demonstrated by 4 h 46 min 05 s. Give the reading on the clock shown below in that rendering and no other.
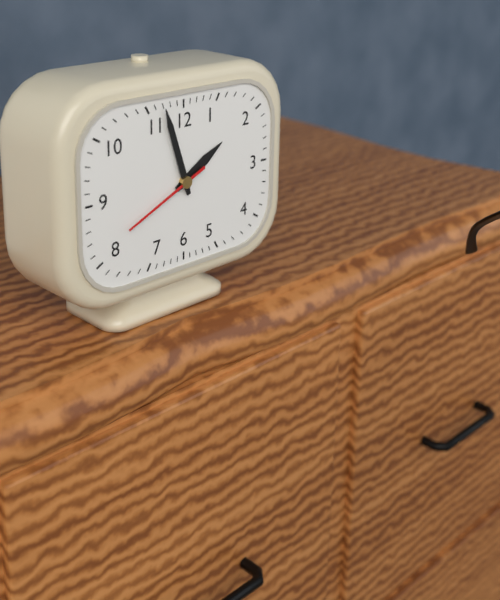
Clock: 1 h 57 min 41 s
